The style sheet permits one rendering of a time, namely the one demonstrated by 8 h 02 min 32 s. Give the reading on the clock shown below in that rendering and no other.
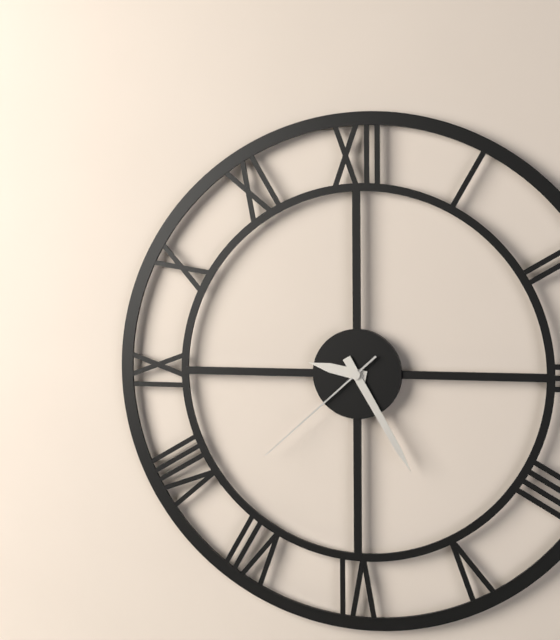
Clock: 9 h 25 min 38 s
